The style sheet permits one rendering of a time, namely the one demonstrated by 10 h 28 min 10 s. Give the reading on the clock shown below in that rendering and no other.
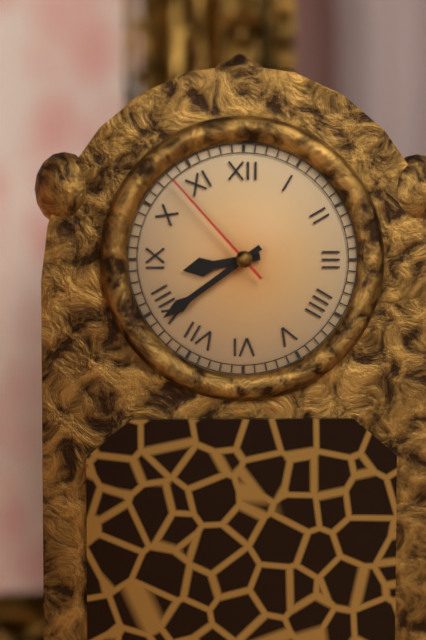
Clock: 8 h 39 min 53 s
